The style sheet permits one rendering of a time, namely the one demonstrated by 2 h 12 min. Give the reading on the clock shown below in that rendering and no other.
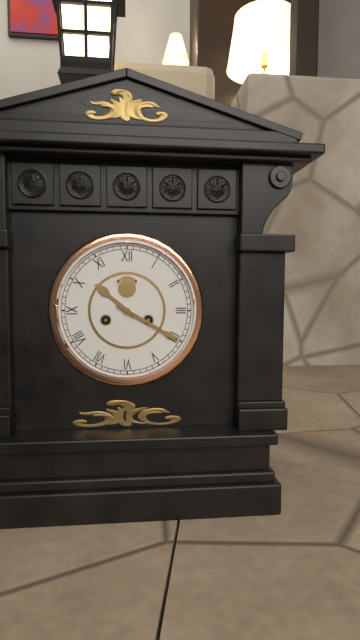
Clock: 10 h 20 min
